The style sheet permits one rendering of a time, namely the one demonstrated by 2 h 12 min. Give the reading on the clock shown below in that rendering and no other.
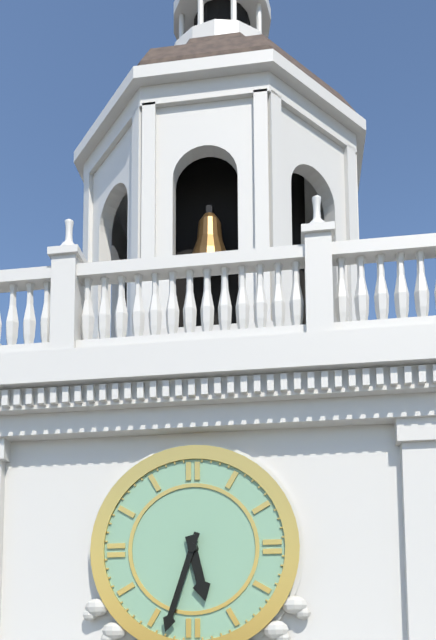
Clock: 5 h 33 min
